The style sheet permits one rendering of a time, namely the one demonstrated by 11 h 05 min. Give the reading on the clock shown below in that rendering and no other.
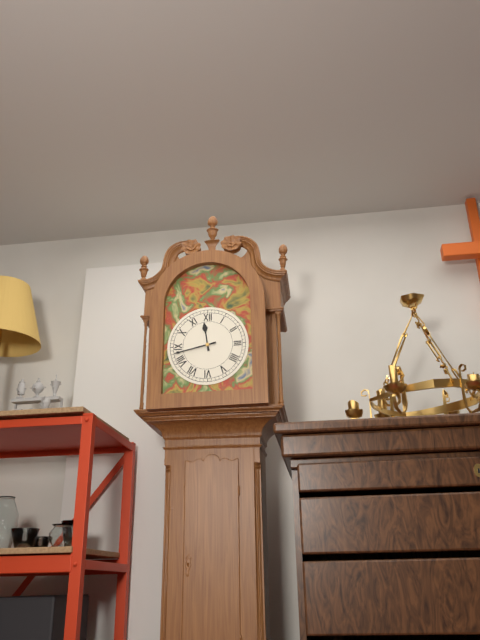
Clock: 11 h 43 min
